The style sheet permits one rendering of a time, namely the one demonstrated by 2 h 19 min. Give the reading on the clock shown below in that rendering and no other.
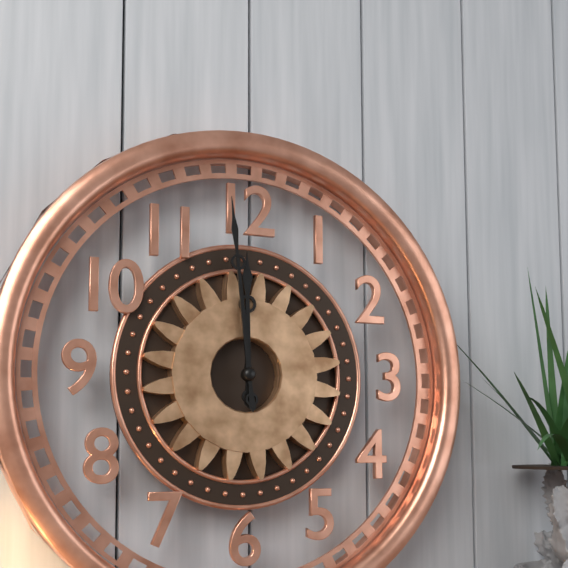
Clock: 11 h 59 min
